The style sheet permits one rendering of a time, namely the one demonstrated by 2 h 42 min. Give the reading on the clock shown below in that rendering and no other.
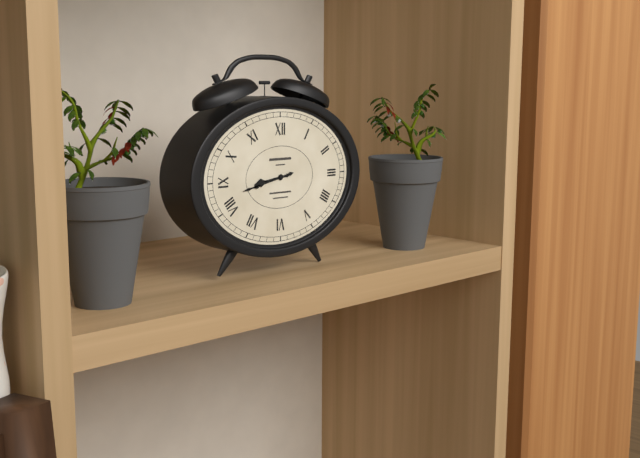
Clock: 8 h 43 min
